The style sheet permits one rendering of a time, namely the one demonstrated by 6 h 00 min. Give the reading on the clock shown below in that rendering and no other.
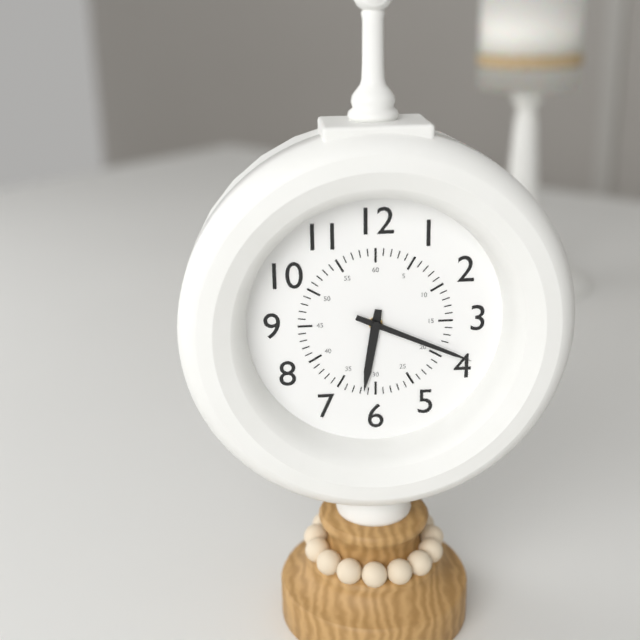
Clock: 6 h 19 min
